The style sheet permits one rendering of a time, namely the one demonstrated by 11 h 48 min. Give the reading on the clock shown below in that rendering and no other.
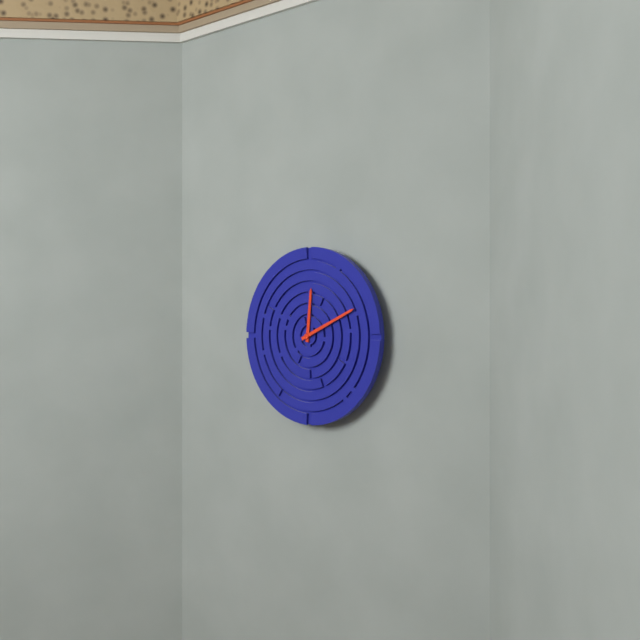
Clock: 12 h 11 min
